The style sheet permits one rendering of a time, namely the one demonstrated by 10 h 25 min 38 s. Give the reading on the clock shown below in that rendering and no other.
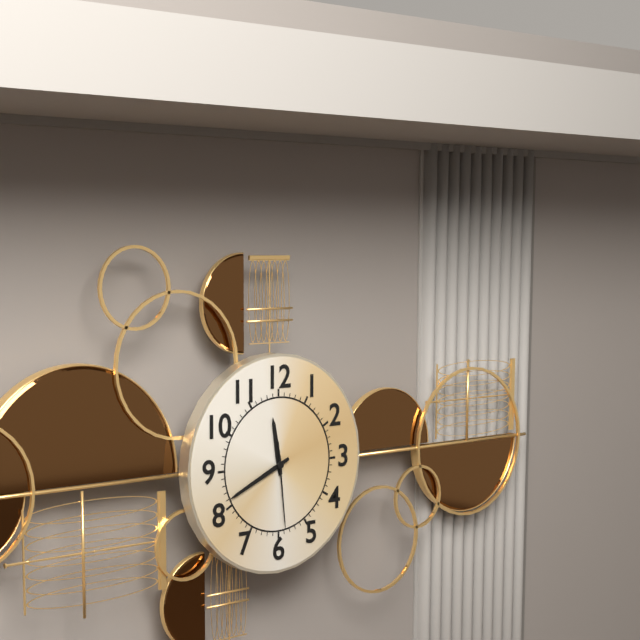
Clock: 11 h 41 min 29 s
